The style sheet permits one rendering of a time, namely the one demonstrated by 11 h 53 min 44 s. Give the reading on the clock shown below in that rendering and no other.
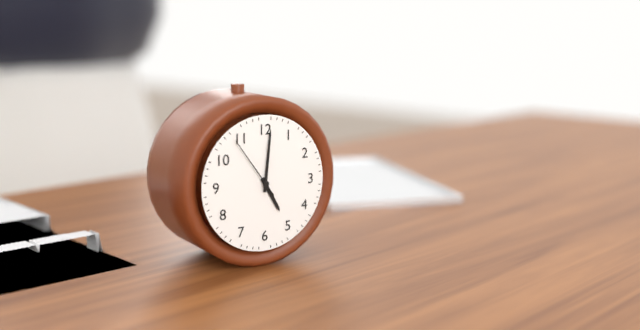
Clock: 5 h 01 min 54 s
